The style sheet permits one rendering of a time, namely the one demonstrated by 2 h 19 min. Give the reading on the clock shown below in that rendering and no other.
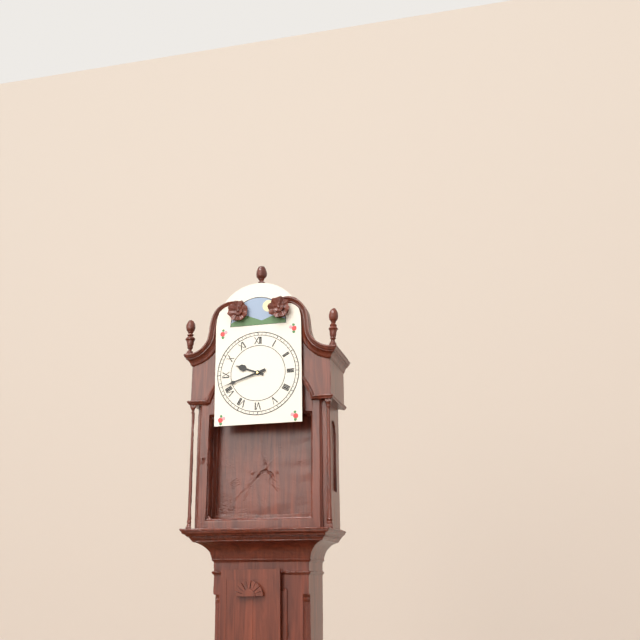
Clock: 9 h 42 min
